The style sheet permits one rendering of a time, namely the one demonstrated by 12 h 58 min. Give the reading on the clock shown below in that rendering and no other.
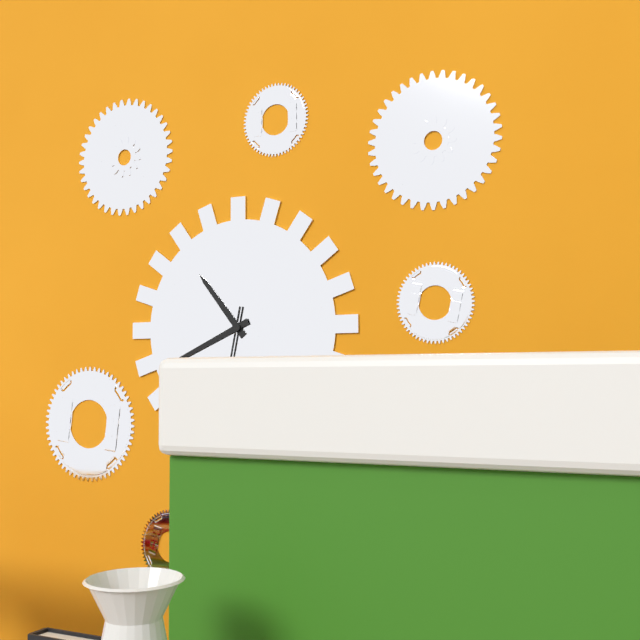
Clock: 10 h 41 min
